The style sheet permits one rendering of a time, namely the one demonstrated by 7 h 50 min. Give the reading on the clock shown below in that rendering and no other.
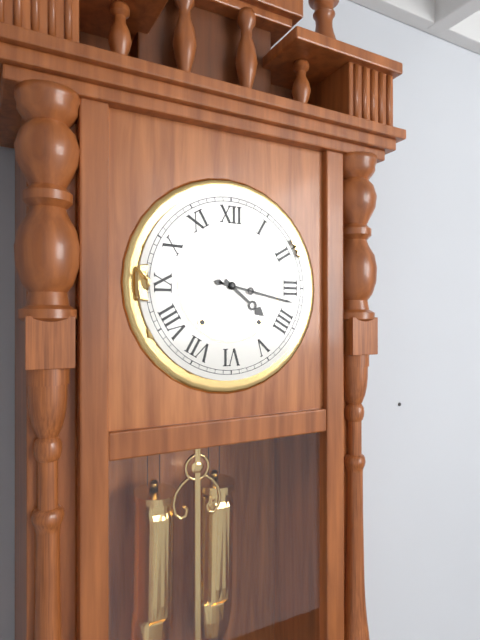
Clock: 4 h 17 min
